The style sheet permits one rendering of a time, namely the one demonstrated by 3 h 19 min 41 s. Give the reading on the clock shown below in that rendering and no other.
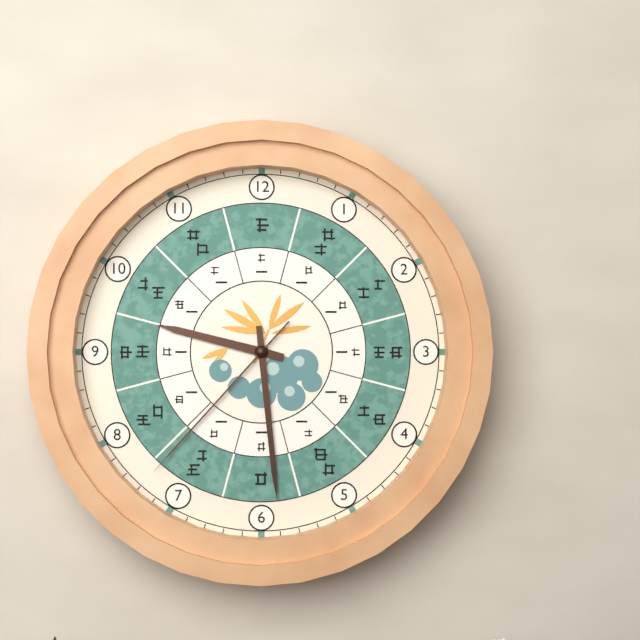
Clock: 9 h 29 min 37 s
